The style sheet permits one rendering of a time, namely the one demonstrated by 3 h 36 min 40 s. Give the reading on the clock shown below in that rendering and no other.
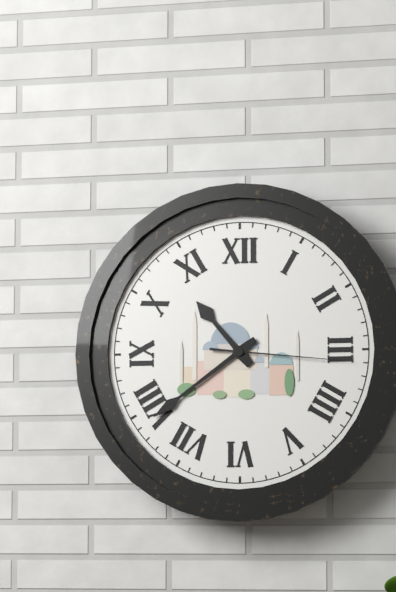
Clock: 10 h 39 min 16 s
